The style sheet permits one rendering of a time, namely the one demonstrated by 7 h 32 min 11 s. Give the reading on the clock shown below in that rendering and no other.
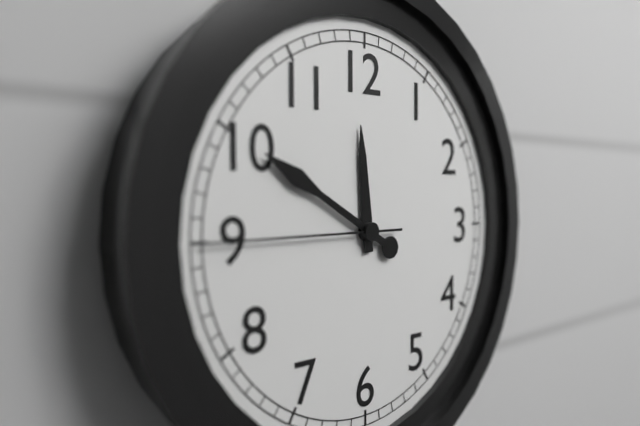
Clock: 11 h 50 min 45 s
